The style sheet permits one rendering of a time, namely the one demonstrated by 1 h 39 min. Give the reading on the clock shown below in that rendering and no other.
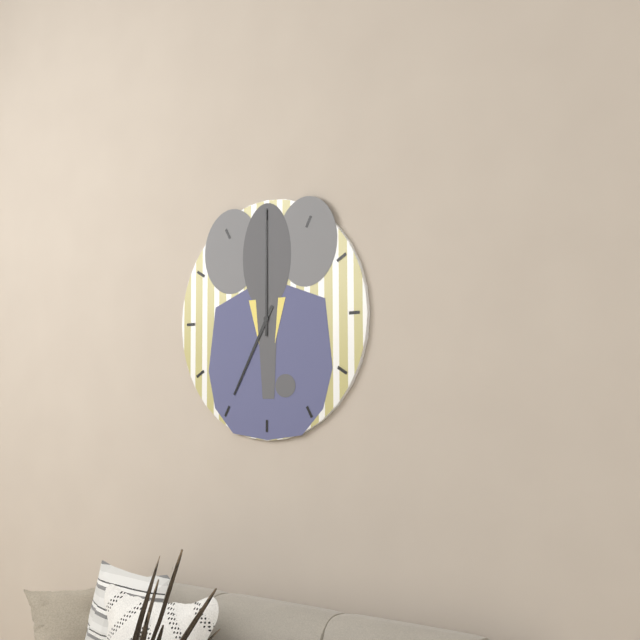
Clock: 7 h 00 min
